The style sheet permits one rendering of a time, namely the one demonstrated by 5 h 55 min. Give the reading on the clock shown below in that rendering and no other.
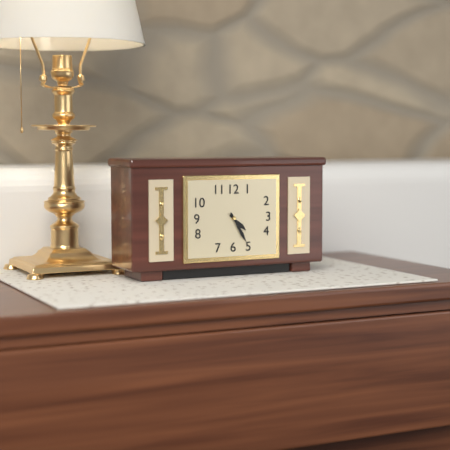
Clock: 4 h 25 min
